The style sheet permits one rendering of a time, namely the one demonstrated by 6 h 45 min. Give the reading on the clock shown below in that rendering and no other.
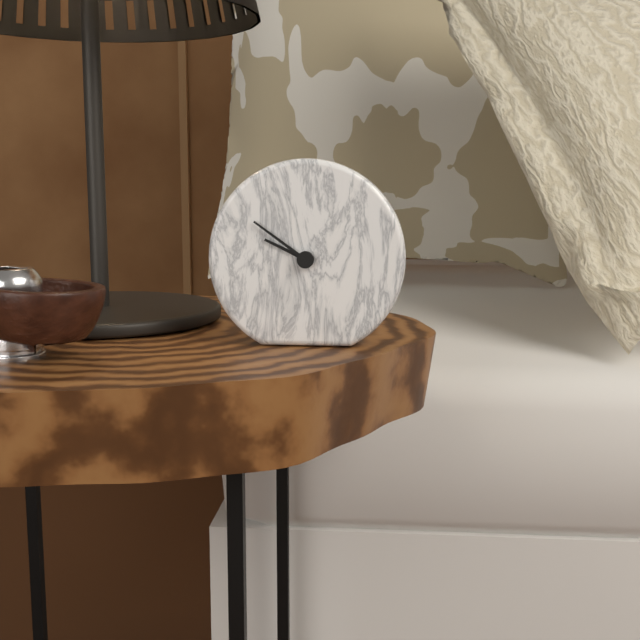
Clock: 9 h 51 min
